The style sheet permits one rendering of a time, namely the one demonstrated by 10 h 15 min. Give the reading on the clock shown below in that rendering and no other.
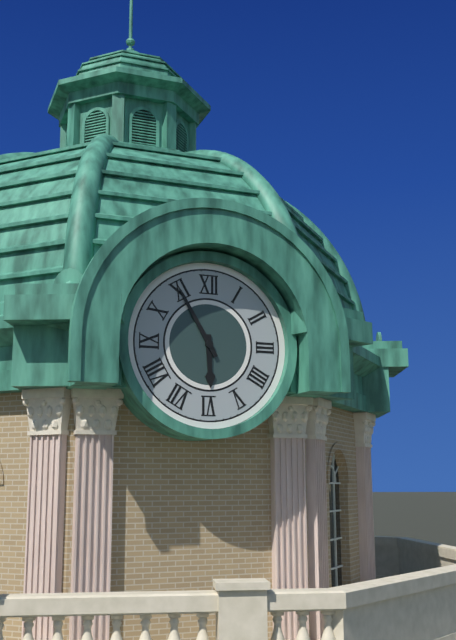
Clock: 5 h 55 min
